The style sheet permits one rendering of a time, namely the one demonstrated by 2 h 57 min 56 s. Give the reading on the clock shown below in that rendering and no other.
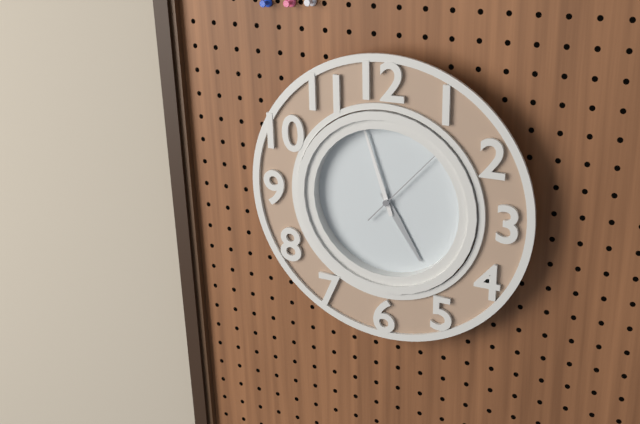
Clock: 4 h 57 min 07 s
